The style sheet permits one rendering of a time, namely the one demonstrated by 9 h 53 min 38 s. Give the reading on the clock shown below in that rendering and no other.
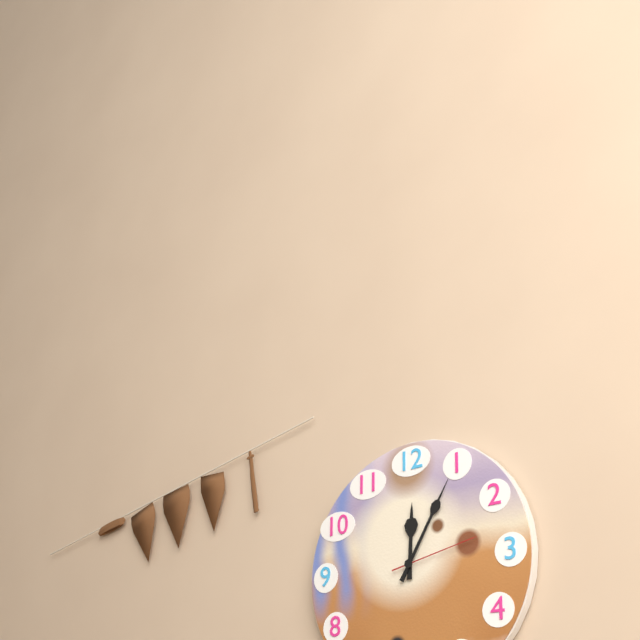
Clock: 12 h 05 min 13 s
